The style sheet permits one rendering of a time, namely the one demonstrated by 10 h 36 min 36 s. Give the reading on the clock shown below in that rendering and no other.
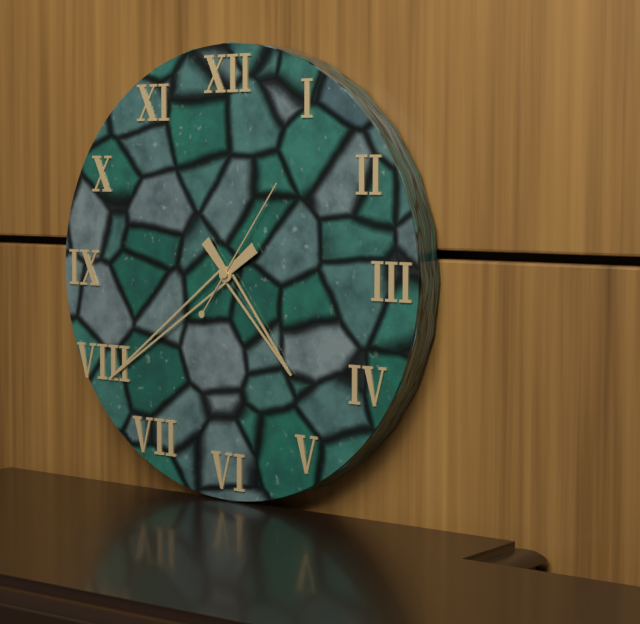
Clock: 4 h 39 min 06 s
